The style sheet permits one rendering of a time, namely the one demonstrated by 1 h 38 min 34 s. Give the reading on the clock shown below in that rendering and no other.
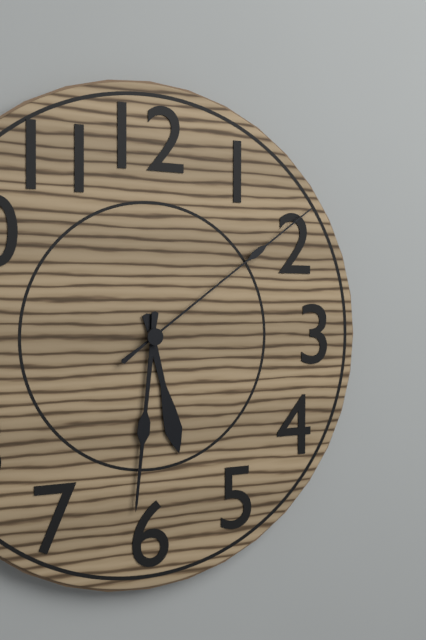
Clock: 5 h 31 min 09 s
